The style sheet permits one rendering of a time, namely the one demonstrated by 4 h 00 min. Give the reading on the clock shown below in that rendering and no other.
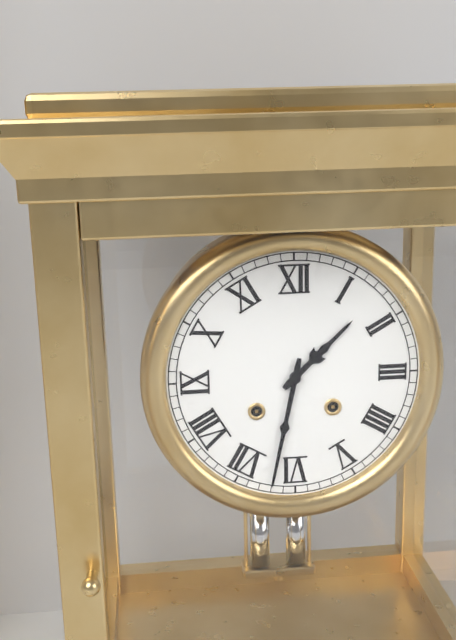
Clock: 1 h 32 min
